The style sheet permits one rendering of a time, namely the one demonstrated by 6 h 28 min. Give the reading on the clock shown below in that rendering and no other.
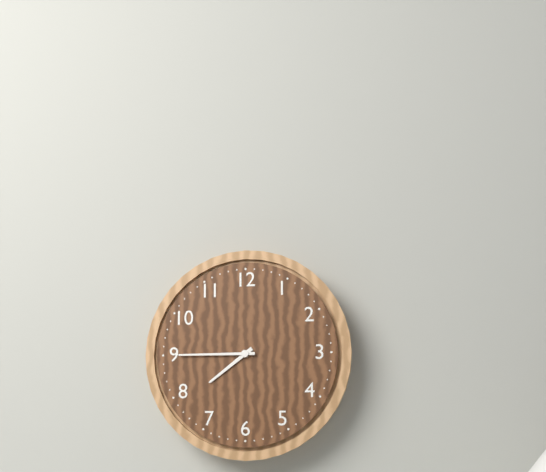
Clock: 7 h 45 min
